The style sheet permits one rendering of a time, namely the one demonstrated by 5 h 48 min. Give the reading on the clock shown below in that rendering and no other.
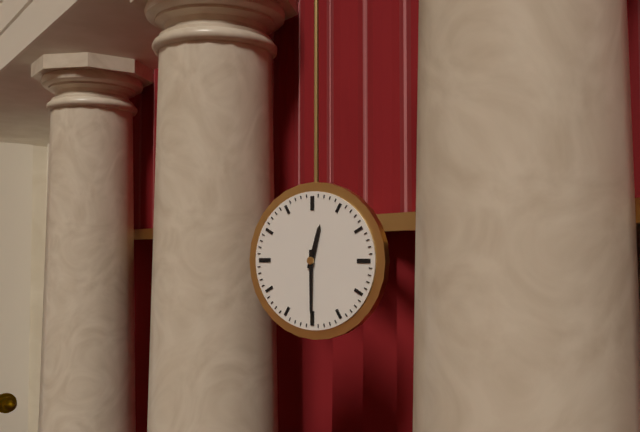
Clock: 12 h 30 min
